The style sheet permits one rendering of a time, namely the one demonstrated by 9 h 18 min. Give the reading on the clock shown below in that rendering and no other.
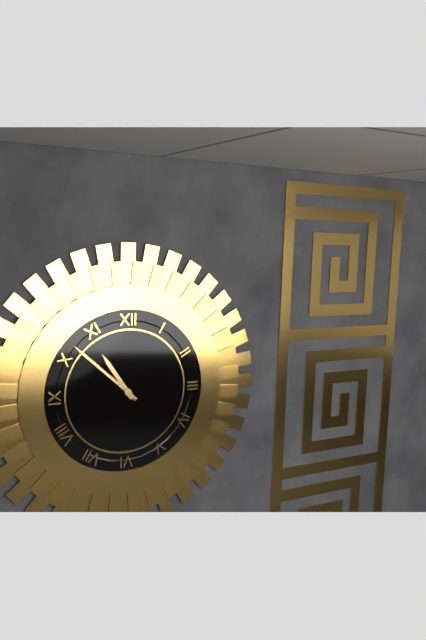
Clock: 10 h 52 min
